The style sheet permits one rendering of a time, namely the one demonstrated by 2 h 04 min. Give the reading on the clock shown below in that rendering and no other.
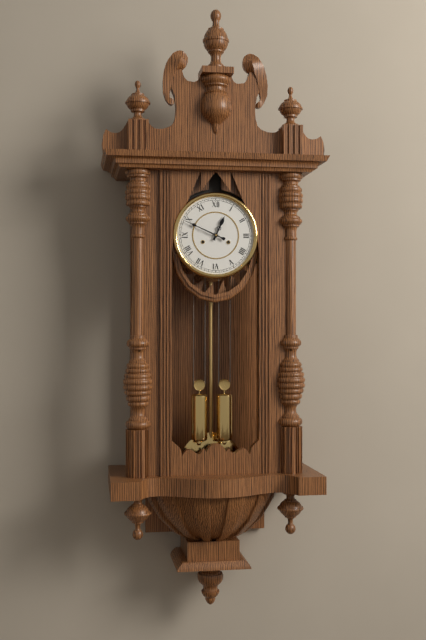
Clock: 12 h 49 min
